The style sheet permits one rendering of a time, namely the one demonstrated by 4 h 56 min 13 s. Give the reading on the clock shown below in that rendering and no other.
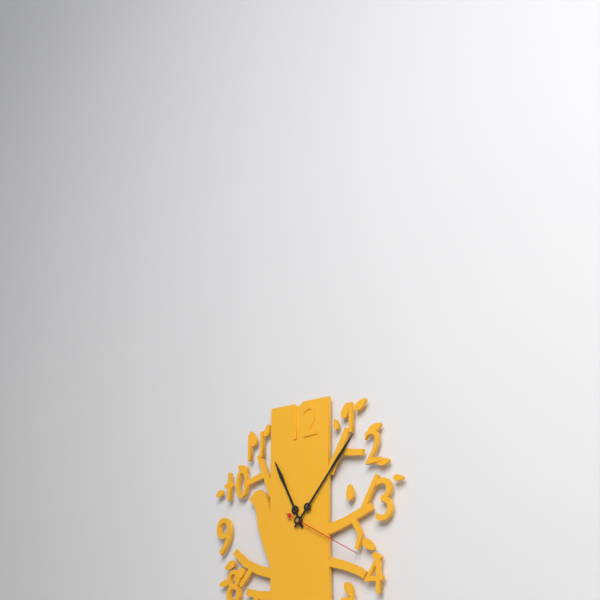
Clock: 11 h 07 min 20 s
